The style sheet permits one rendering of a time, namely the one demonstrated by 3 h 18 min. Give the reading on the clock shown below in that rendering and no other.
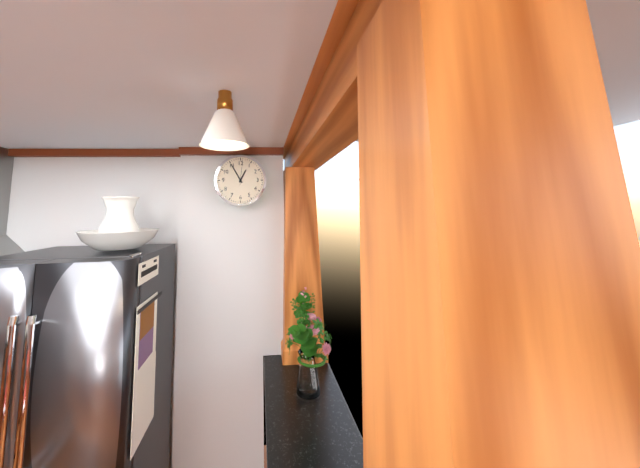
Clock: 12 h 55 min
